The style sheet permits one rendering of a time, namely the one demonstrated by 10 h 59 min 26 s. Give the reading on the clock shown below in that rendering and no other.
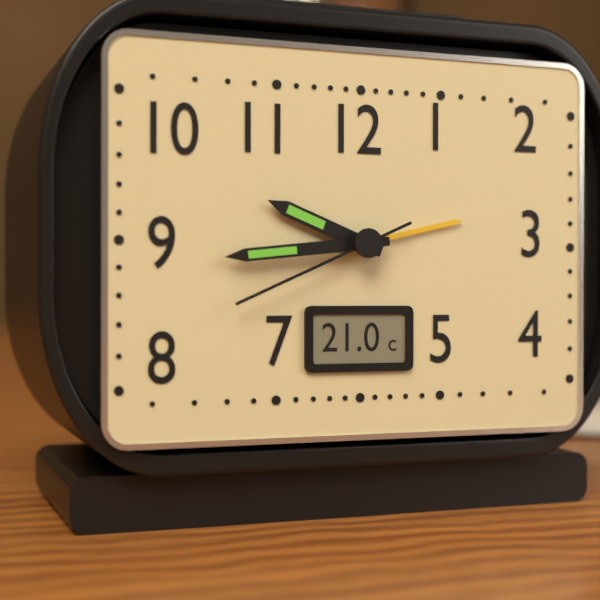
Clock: 9 h 44 min 41 s
